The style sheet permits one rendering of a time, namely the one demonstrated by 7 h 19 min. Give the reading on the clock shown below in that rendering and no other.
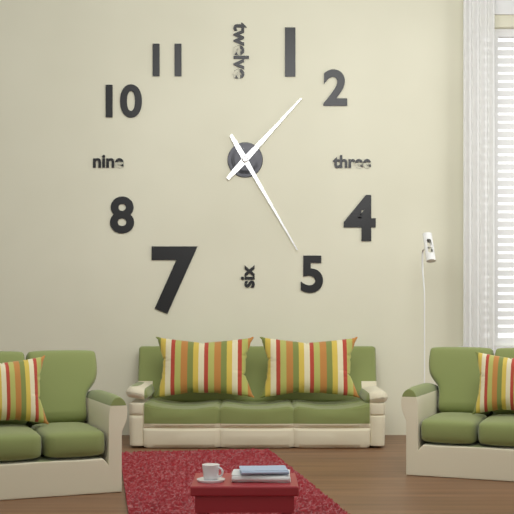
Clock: 1 h 25 min
